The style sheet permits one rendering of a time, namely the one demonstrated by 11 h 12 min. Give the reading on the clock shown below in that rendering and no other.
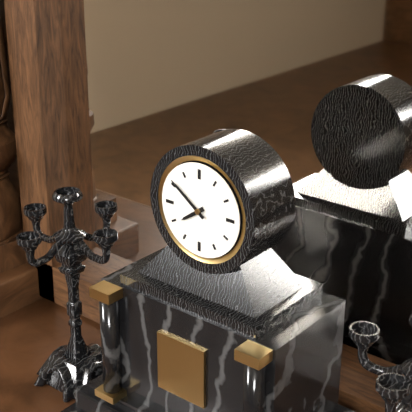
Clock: 7 h 51 min
